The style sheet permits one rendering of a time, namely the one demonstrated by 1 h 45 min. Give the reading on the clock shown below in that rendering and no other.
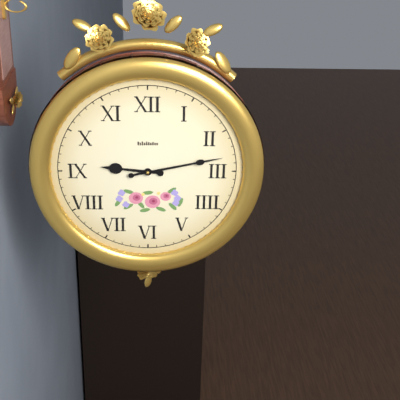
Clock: 9 h 13 min
